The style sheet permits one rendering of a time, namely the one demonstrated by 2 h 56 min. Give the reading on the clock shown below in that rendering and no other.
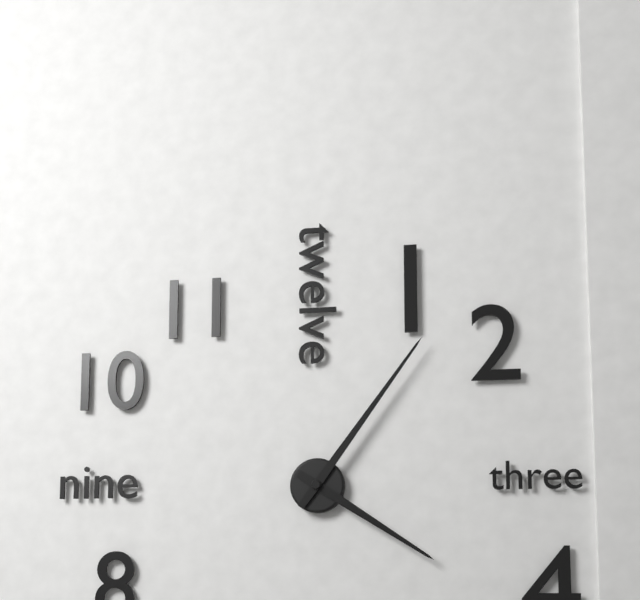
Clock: 4 h 06 min
